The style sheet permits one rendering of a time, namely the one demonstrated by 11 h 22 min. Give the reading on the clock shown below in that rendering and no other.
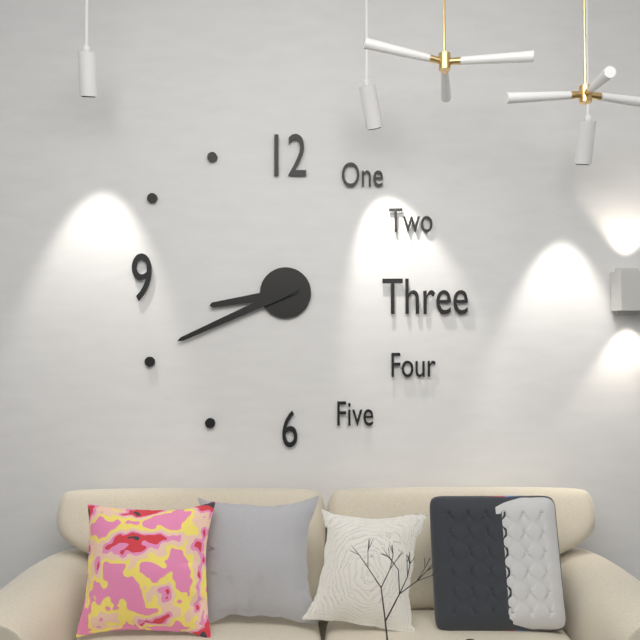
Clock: 8 h 41 min
